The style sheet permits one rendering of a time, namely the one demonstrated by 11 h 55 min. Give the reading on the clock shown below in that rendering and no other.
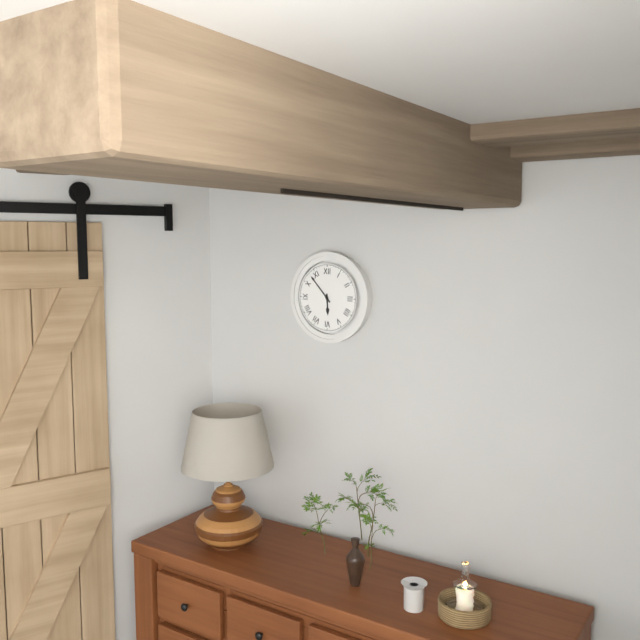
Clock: 5 h 53 min
